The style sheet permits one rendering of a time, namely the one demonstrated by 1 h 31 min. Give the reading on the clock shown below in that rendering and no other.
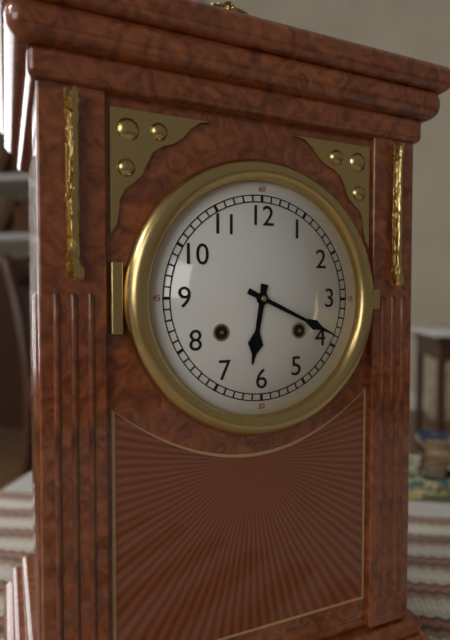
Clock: 6 h 19 min
